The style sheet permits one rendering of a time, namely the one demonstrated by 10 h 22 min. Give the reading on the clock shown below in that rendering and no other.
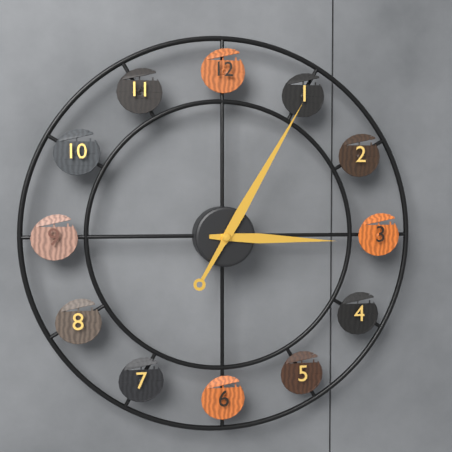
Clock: 3 h 05 min
